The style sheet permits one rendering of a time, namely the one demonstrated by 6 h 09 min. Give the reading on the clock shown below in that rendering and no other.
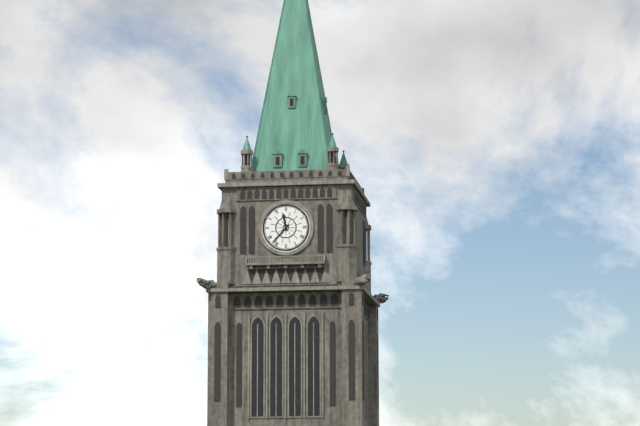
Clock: 11 h 37 min
